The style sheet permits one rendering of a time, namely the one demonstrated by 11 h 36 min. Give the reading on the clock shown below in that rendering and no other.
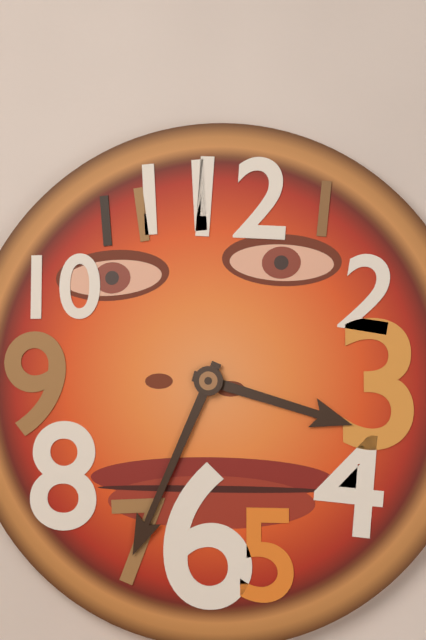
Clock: 3 h 34 min
